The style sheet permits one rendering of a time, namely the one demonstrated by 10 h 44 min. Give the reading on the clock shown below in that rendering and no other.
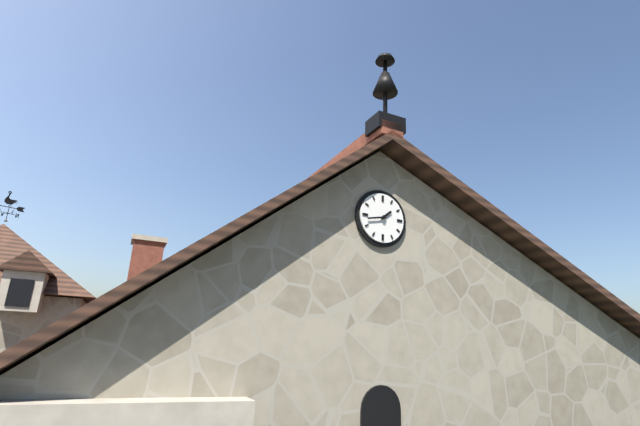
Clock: 1 h 43 min
